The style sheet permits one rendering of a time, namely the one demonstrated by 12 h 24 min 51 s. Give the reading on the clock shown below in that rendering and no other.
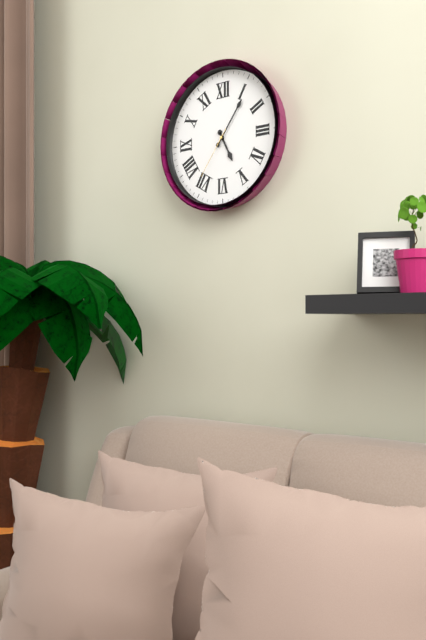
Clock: 5 h 06 min 36 s
